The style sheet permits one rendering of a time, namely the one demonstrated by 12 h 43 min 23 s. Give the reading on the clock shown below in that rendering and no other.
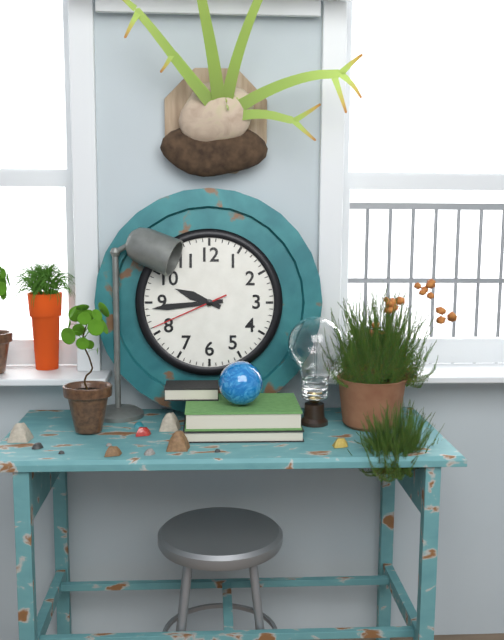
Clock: 9 h 44 min 41 s
